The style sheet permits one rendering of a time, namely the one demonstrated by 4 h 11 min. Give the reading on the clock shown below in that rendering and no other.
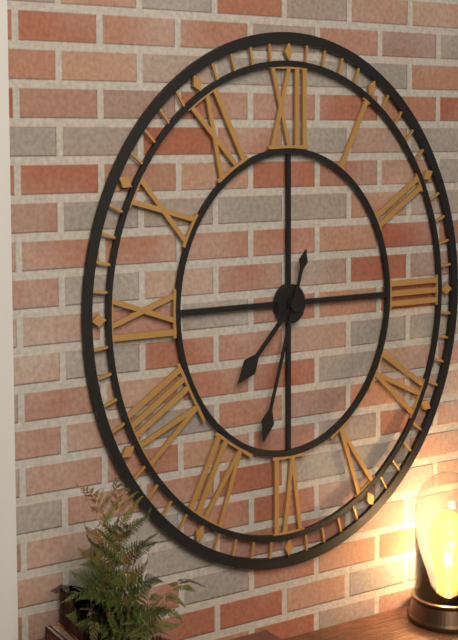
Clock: 7 h 33 min
